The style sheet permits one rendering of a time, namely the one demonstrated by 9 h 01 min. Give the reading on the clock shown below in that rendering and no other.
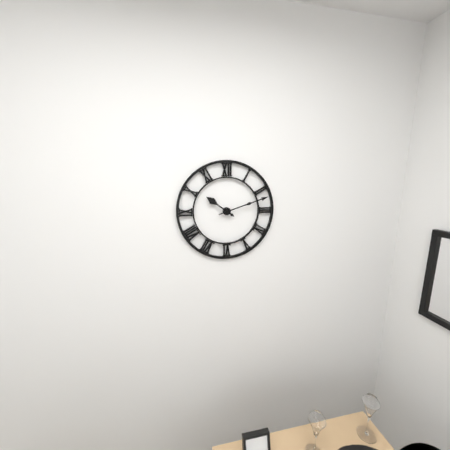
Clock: 10 h 12 min
